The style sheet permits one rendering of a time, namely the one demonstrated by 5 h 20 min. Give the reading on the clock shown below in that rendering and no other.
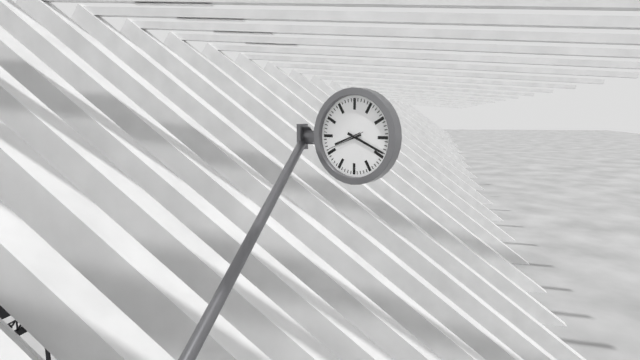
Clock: 8 h 19 min
